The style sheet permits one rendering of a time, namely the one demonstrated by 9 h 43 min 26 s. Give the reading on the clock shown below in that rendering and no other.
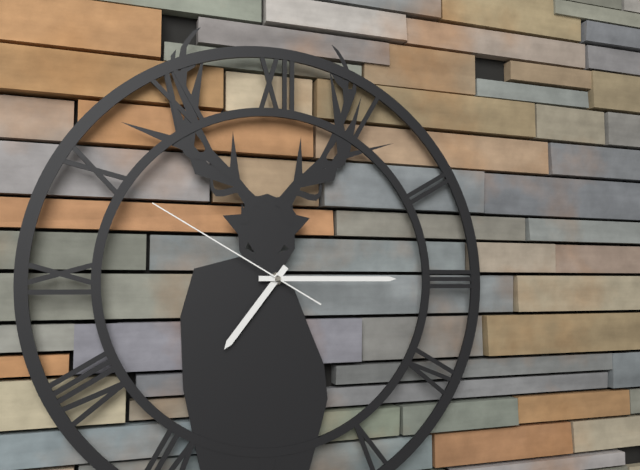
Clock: 7 h 15 min 50 s
